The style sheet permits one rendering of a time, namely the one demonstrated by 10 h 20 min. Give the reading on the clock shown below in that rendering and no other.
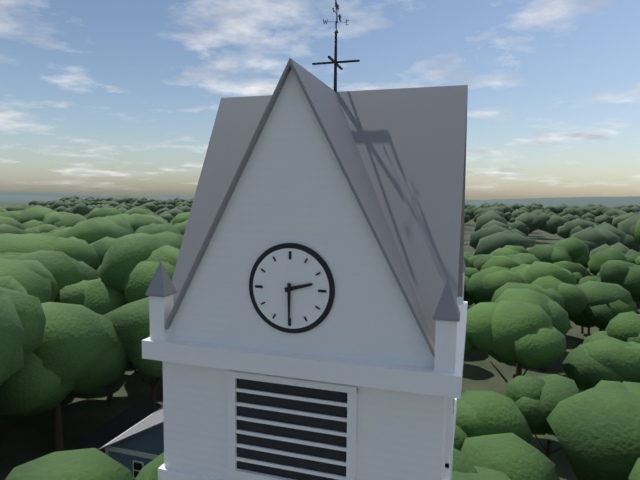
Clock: 2 h 30 min
